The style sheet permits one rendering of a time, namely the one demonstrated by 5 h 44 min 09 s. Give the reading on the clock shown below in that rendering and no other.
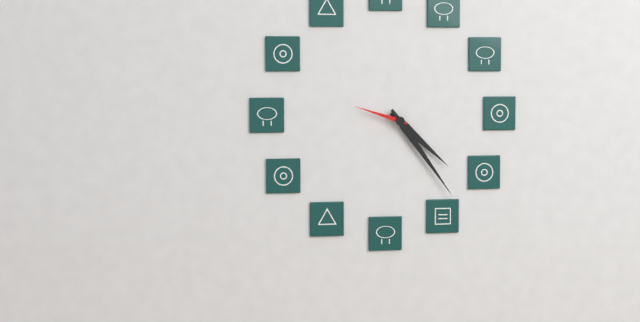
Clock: 4 h 24 min 48 s
